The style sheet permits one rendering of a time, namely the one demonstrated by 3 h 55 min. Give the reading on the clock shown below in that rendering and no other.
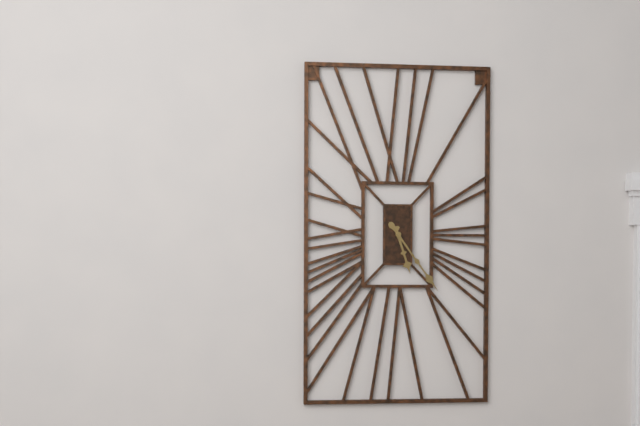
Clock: 5 h 24 min
